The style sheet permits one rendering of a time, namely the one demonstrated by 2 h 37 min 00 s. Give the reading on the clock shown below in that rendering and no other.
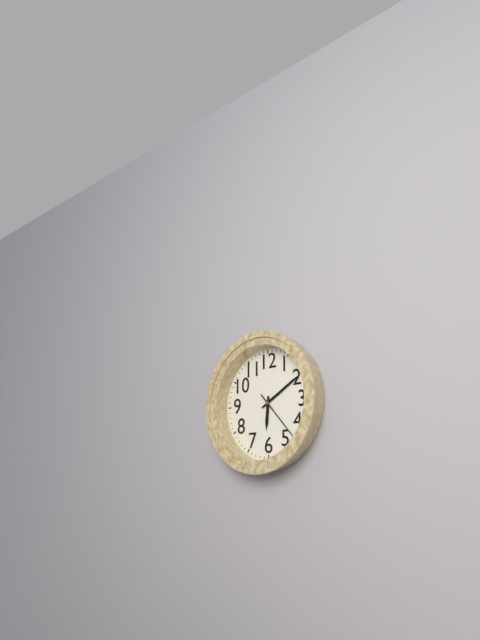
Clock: 6 h 10 min 23 s
